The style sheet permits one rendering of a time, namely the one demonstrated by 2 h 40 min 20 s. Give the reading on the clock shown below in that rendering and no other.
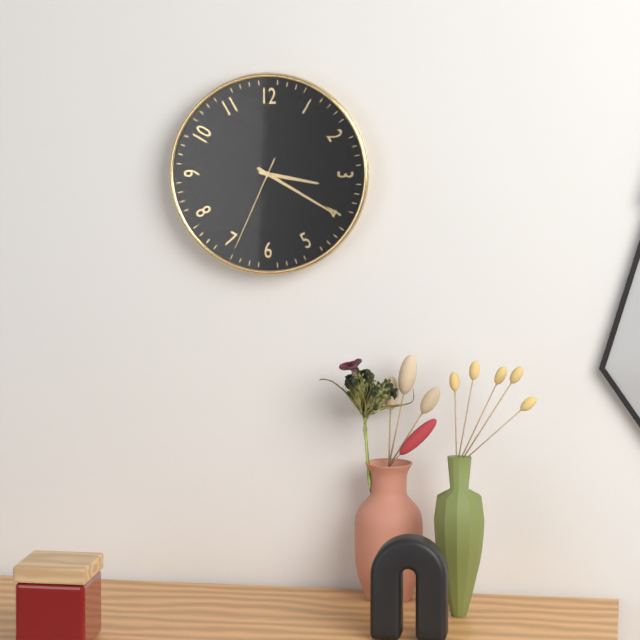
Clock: 3 h 20 min 34 s
